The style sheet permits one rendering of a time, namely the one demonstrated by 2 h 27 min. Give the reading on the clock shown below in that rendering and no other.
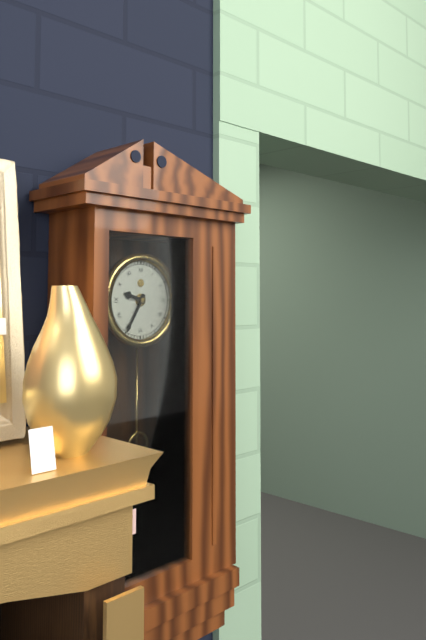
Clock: 9 h 35 min
